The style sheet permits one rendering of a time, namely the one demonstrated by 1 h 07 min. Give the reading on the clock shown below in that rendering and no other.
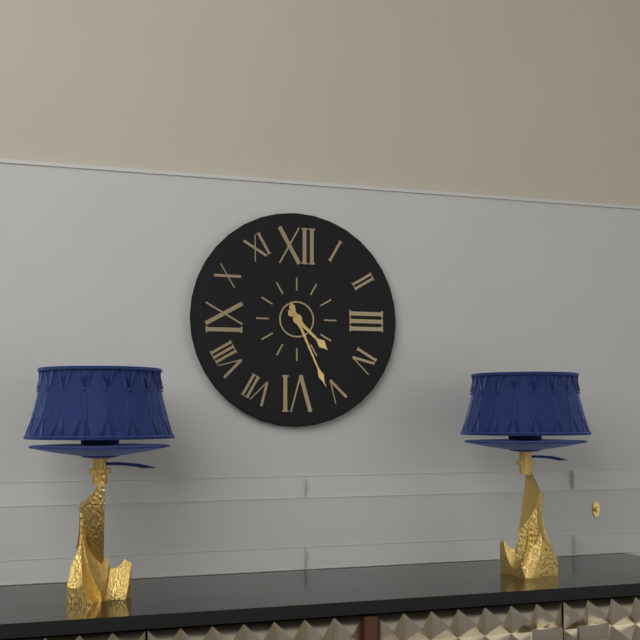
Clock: 4 h 26 min
